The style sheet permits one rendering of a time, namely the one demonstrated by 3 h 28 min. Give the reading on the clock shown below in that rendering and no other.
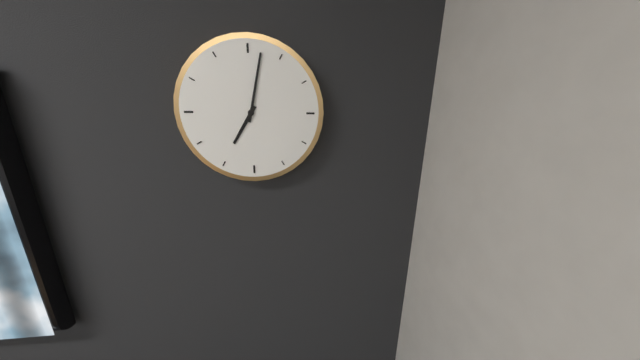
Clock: 7 h 02 min
